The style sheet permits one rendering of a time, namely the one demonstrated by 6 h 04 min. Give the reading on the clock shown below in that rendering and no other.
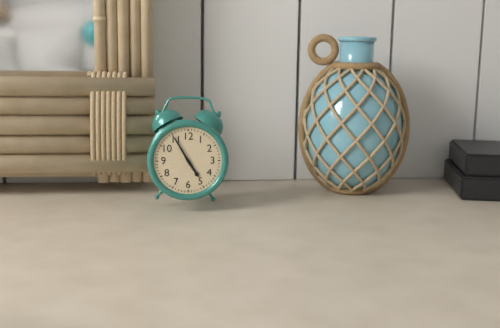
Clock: 4 h 55 min
